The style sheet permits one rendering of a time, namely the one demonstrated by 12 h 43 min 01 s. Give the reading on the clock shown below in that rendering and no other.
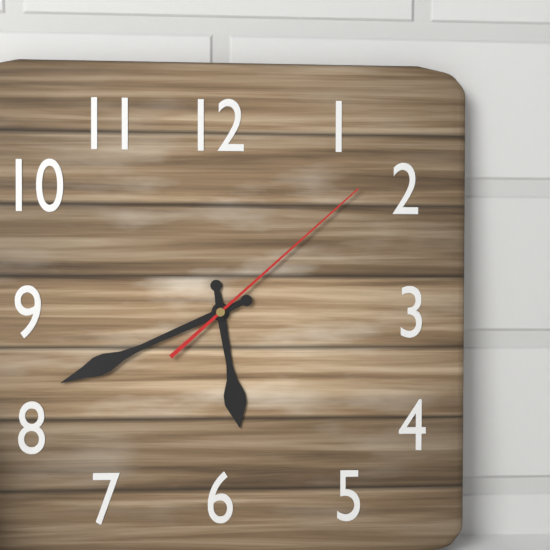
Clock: 5 h 41 min 08 s
